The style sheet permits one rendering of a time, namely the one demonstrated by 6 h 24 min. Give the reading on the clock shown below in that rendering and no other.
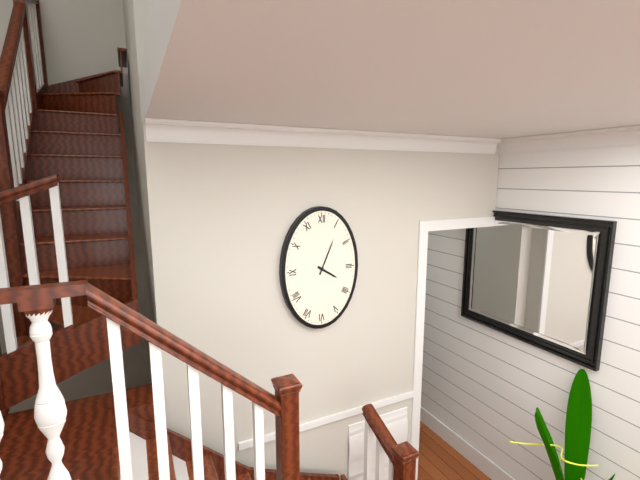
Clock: 4 h 04 min
